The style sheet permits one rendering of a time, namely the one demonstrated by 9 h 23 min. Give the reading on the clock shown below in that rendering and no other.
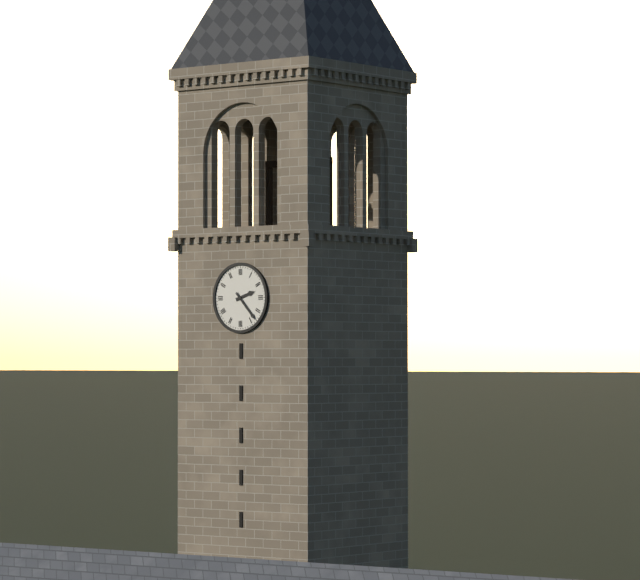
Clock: 2 h 23 min
